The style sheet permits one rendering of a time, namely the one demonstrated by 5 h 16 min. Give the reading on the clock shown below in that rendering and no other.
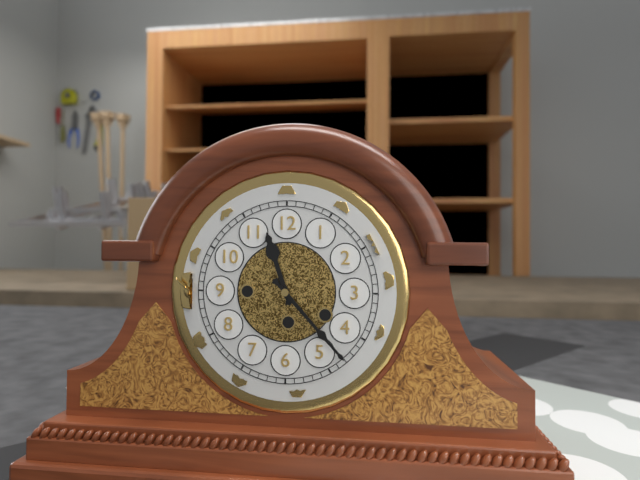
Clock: 11 h 23 min
